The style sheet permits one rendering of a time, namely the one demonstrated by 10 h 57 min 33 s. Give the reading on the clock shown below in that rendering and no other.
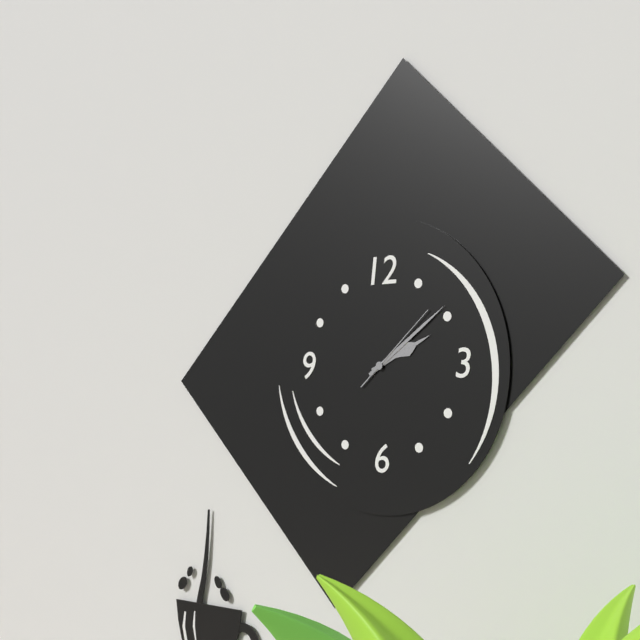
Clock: 2 h 09 min 08 s
